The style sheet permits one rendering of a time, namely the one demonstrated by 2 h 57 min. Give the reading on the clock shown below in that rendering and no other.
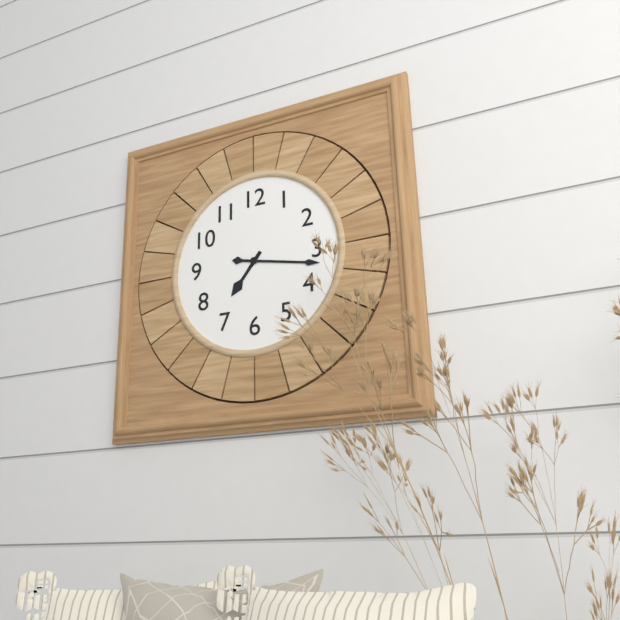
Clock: 7 h 17 min
